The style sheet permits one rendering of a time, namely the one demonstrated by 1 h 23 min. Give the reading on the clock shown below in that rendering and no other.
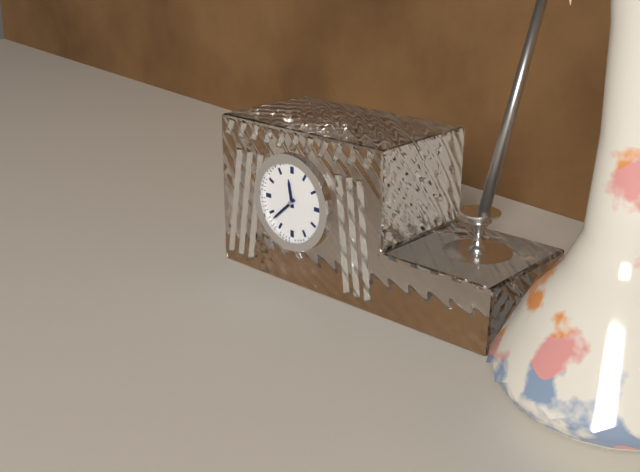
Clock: 11 h 38 min
